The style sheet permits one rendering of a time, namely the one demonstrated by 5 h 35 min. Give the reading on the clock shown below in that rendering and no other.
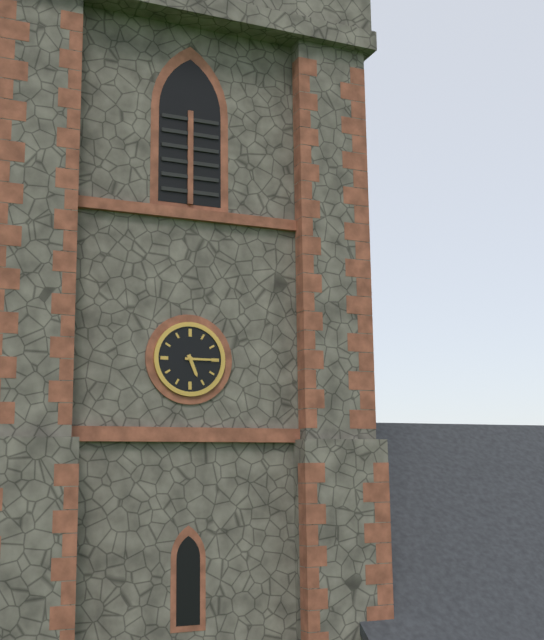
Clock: 5 h 15 min
